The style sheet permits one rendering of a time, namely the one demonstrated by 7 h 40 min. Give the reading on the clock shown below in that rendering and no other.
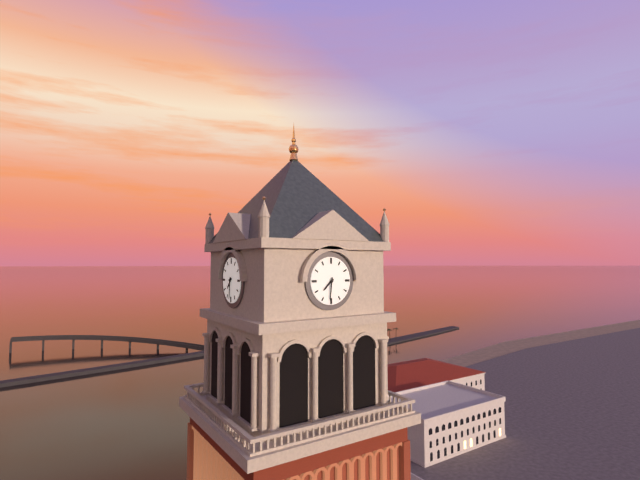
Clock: 7 h 31 min
